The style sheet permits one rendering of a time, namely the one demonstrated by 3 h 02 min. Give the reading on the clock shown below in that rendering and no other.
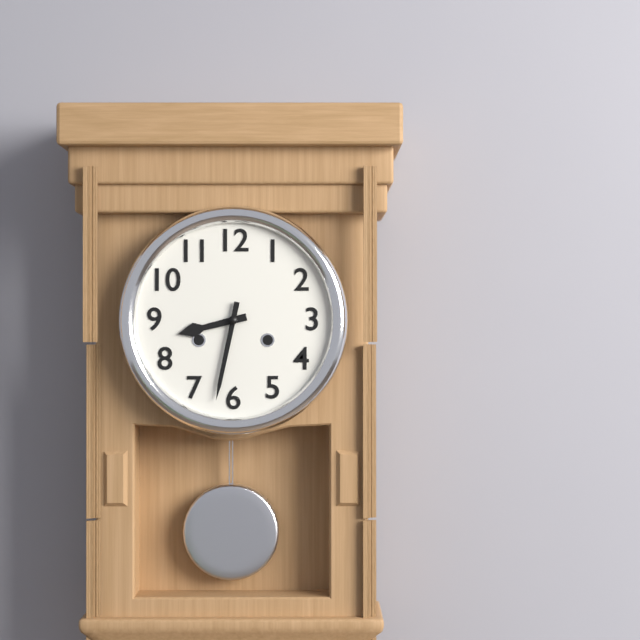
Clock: 8 h 32 min
